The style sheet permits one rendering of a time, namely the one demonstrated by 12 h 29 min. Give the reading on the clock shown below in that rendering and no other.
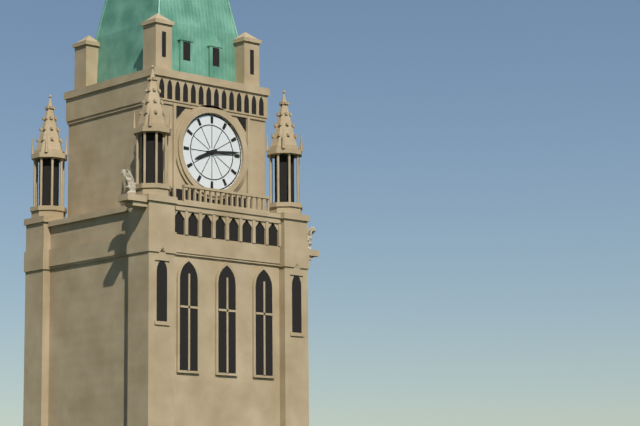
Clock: 8 h 14 min
